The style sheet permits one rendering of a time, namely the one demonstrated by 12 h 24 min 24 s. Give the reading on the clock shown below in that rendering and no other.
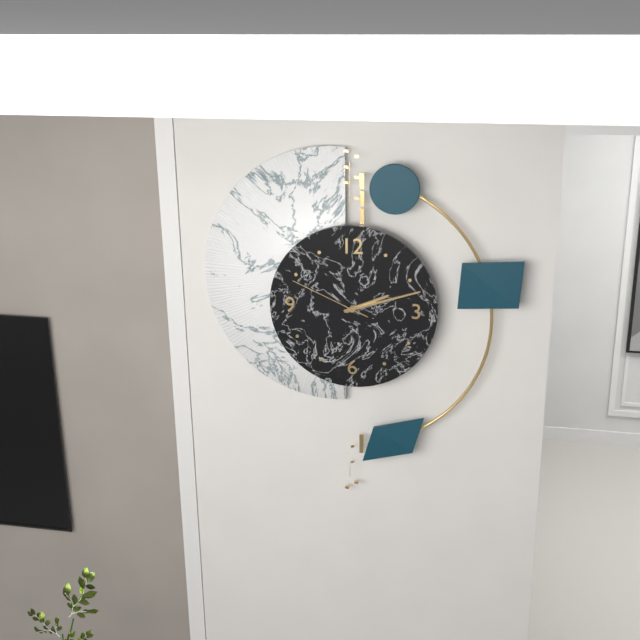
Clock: 2 h 12 min 49 s
